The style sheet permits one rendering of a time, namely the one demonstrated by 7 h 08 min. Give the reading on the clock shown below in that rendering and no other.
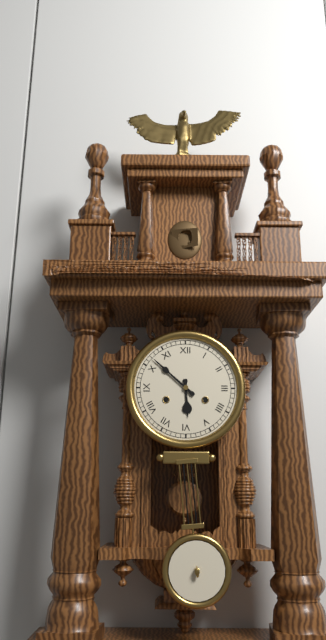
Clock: 5 h 52 min
